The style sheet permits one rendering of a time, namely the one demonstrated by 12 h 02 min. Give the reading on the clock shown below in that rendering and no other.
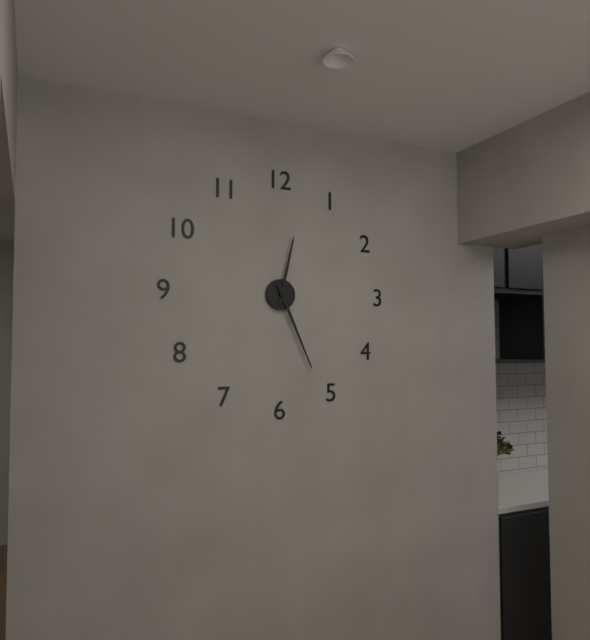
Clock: 12 h 26 min
